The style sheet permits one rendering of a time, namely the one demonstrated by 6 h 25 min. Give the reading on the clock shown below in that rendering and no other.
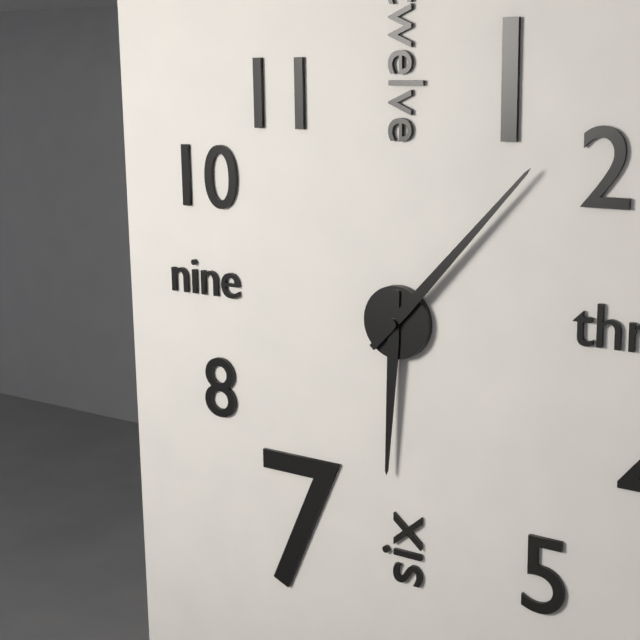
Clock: 6 h 07 min
